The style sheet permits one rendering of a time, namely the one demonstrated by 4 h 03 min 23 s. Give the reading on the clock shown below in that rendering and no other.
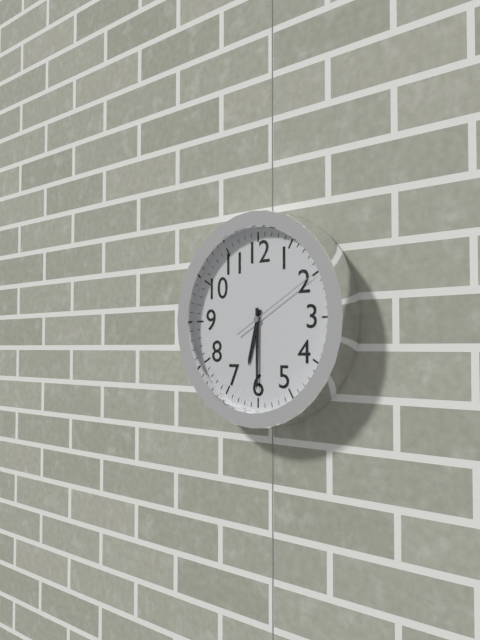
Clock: 6 h 30 min 10 s
